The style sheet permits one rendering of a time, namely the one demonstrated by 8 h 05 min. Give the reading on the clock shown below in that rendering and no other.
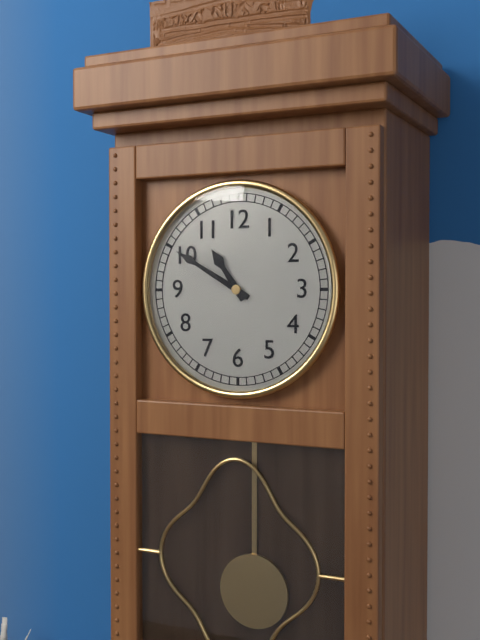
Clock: 10 h 50 min
